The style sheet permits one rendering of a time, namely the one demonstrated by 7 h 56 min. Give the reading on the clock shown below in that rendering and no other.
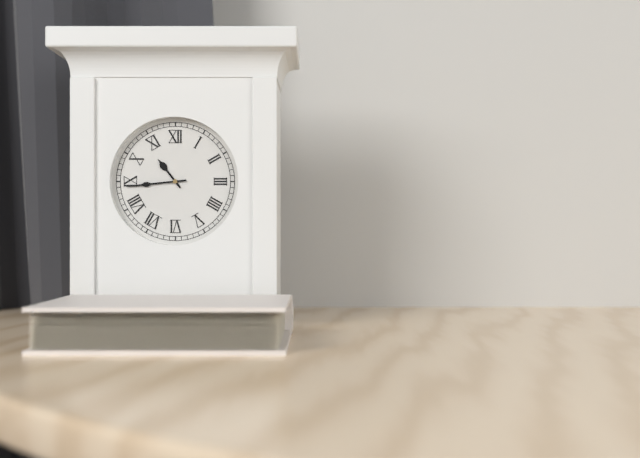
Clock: 10 h 44 min
